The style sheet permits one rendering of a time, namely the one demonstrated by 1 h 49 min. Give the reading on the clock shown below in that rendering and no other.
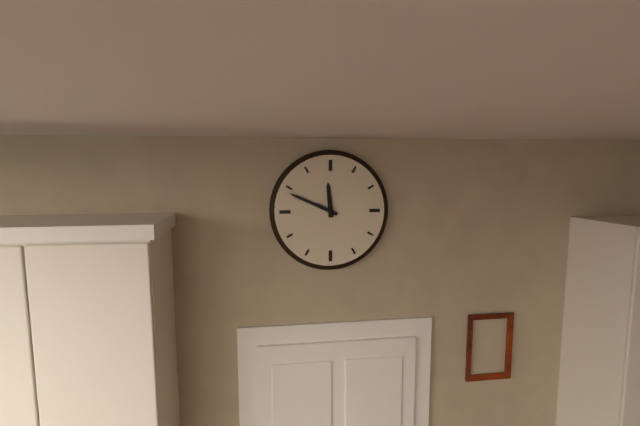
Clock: 11 h 49 min
